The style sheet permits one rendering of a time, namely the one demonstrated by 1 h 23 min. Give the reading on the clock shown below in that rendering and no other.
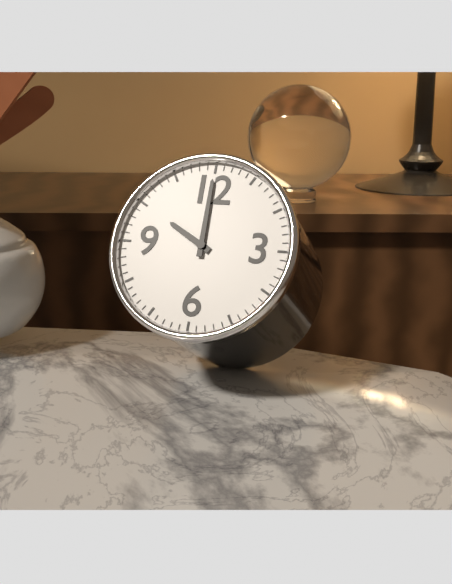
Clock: 10 h 00 min
